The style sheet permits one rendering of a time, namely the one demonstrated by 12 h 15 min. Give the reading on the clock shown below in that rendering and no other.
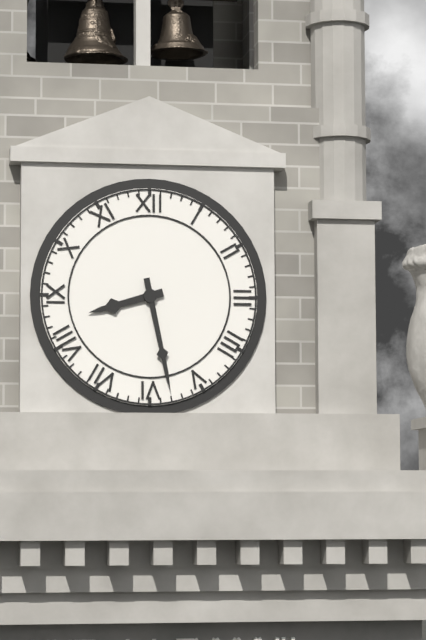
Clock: 8 h 28 min
